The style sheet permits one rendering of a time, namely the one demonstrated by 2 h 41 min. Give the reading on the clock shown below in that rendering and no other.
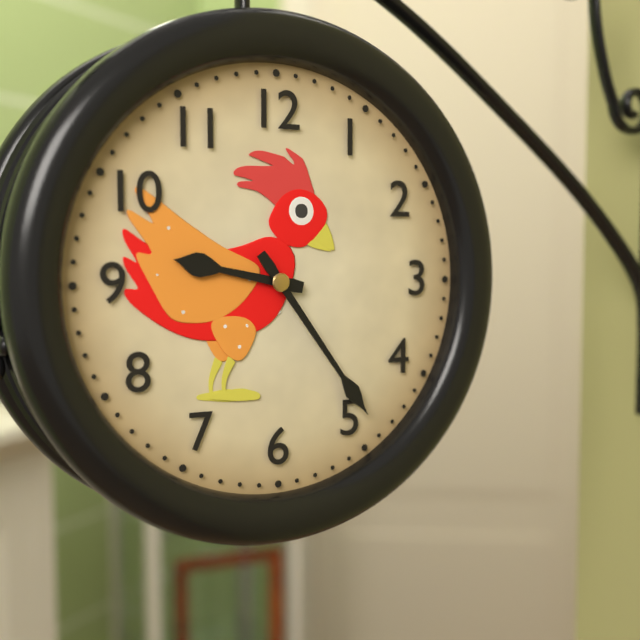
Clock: 9 h 24 min
